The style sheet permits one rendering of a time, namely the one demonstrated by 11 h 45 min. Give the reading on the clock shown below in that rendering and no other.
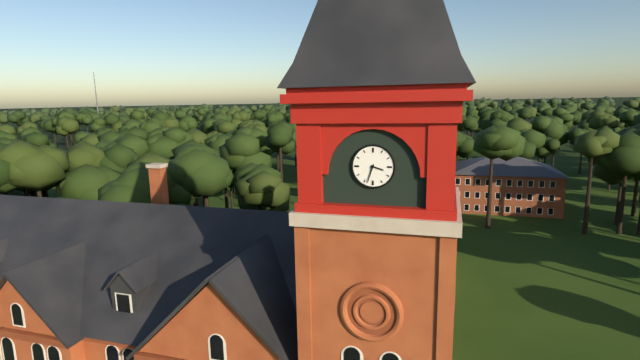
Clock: 3 h 33 min
